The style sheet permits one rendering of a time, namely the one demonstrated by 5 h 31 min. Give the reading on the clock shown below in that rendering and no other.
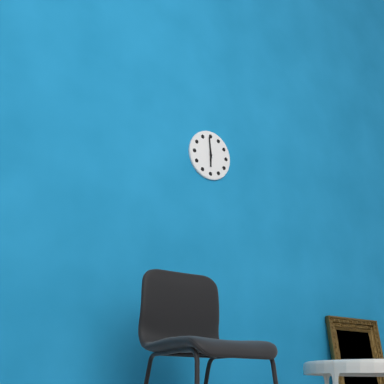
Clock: 5 h 59 min
